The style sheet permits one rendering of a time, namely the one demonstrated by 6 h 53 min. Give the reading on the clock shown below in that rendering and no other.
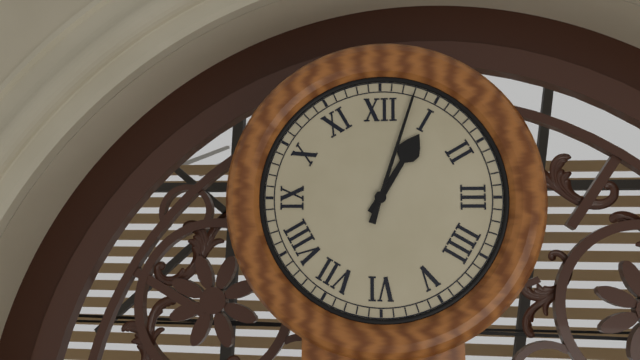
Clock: 1 h 03 min
